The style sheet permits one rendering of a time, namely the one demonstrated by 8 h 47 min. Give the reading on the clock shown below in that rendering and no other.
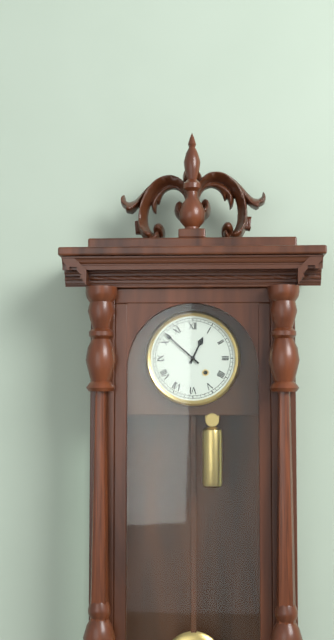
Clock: 12 h 52 min
